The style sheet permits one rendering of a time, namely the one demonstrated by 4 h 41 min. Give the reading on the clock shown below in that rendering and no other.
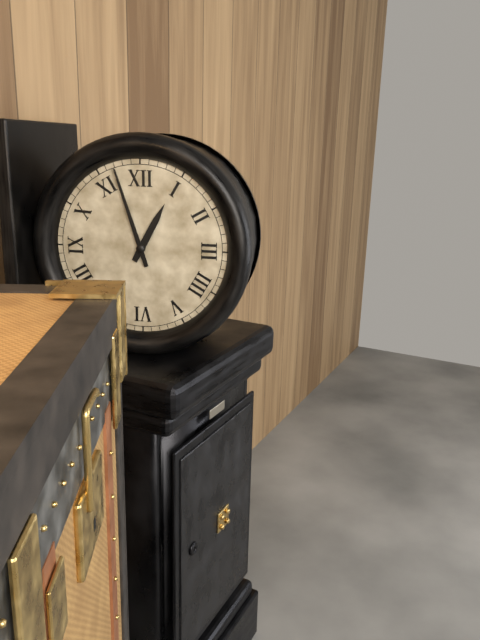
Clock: 12 h 57 min
